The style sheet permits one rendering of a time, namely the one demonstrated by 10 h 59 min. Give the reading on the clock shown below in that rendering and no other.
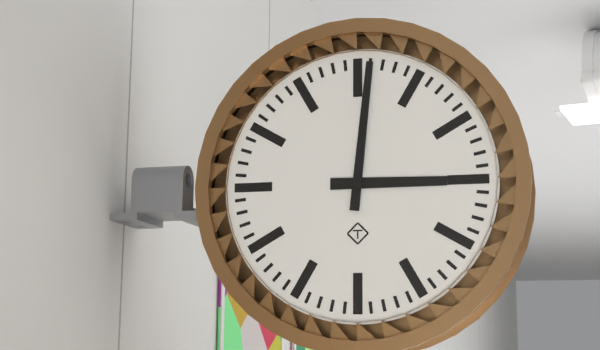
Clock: 3 h 01 min
